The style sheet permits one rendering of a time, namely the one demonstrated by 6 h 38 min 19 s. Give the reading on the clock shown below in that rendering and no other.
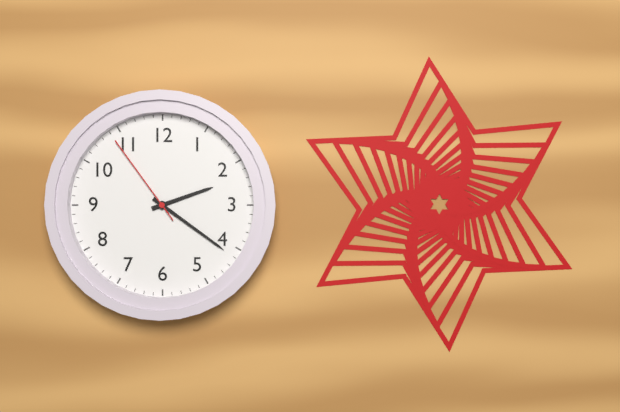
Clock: 2 h 21 min 54 s
